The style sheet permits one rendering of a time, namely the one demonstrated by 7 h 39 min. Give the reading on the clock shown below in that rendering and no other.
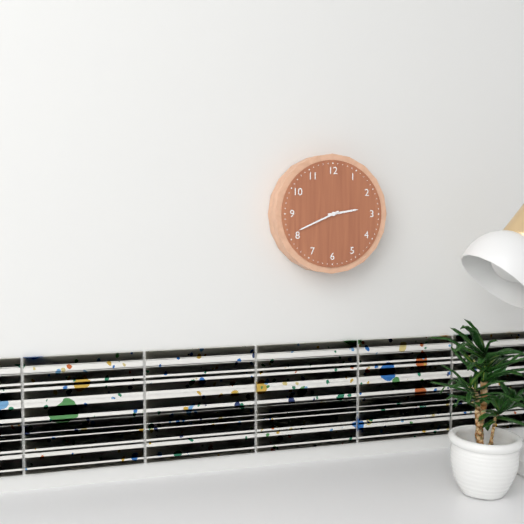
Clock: 2 h 41 min
